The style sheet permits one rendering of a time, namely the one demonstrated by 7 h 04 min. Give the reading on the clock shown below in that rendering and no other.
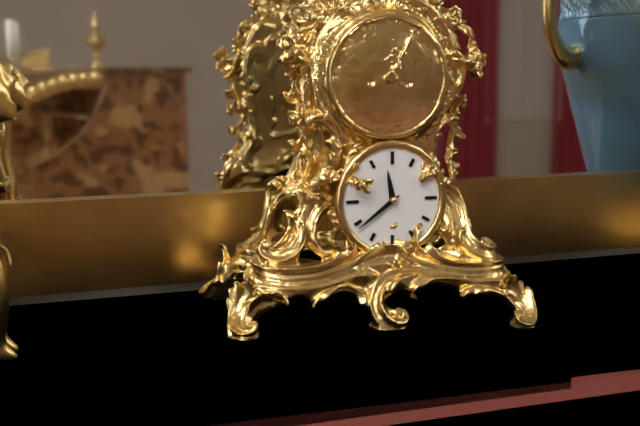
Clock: 11 h 39 min
